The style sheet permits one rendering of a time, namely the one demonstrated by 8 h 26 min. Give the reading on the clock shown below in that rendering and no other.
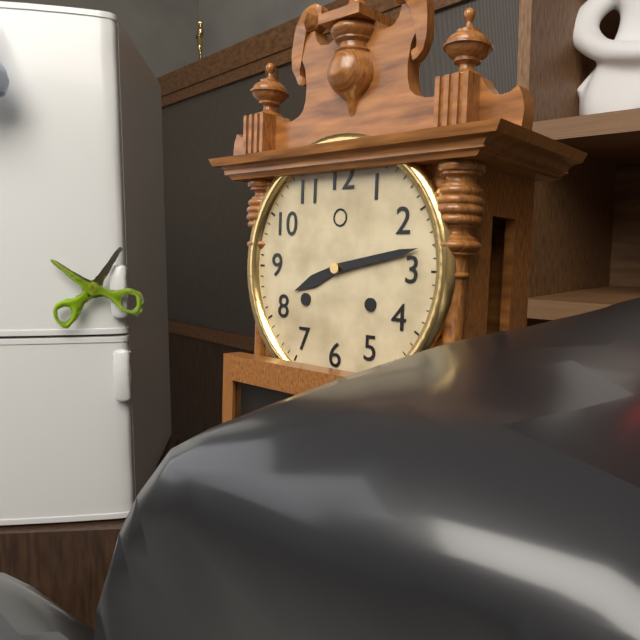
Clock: 8 h 13 min
